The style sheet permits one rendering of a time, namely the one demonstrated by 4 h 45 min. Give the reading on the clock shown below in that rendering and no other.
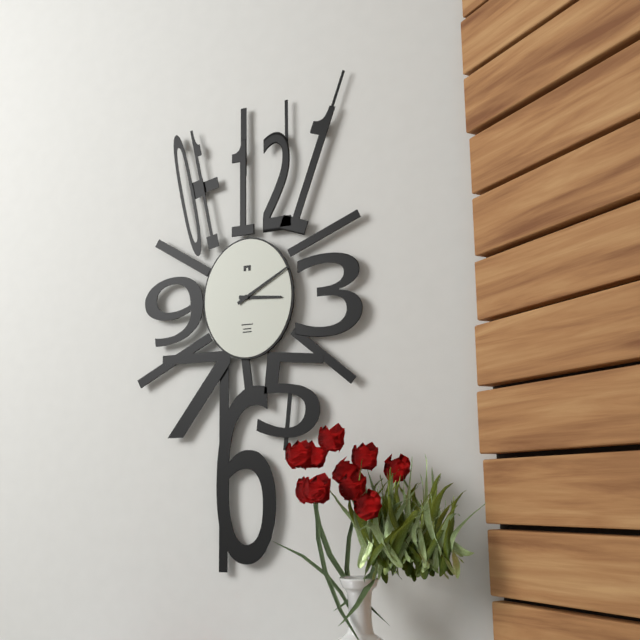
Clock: 3 h 10 min
